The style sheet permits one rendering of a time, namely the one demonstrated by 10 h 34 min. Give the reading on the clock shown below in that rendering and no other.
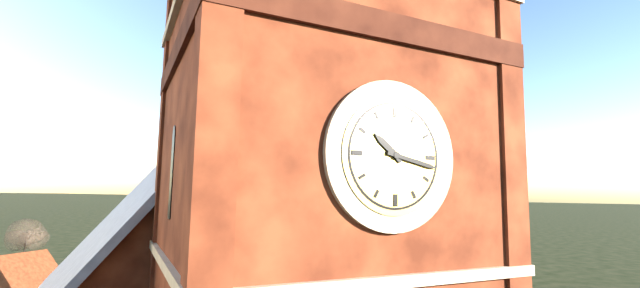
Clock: 10 h 17 min
